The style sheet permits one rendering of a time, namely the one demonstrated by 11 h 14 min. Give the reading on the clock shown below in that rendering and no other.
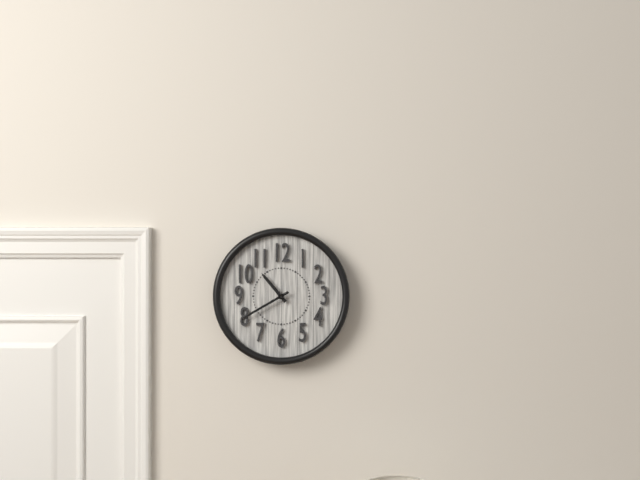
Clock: 10 h 40 min
